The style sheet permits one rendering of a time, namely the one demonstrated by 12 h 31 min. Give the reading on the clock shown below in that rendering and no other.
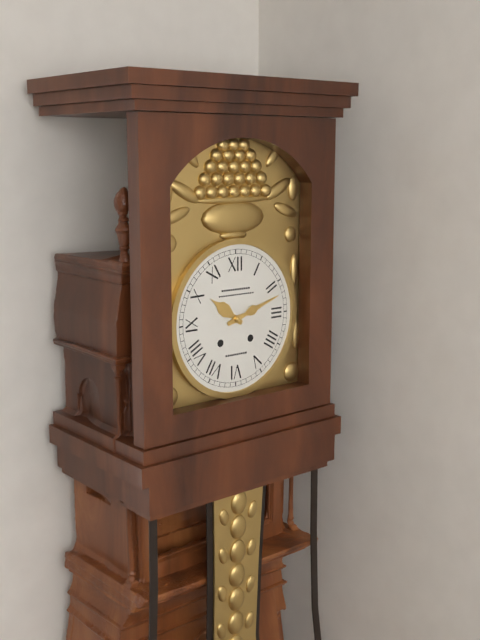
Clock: 10 h 12 min
